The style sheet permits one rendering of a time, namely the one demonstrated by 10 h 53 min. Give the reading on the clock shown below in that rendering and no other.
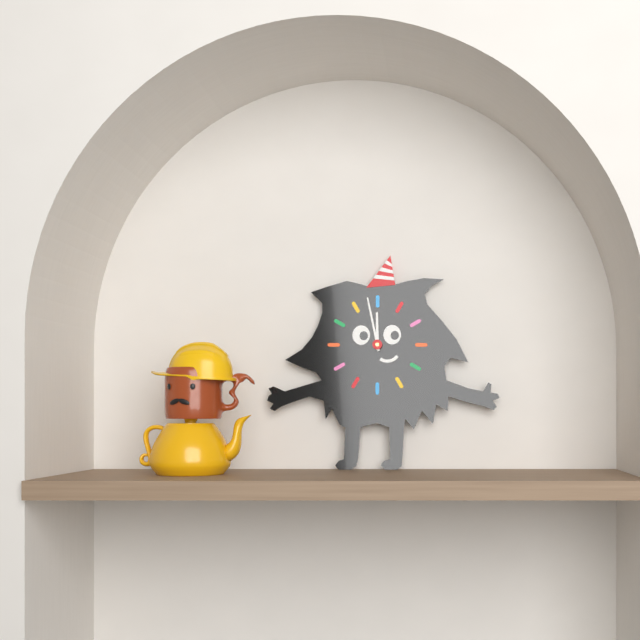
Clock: 11 h 58 min
